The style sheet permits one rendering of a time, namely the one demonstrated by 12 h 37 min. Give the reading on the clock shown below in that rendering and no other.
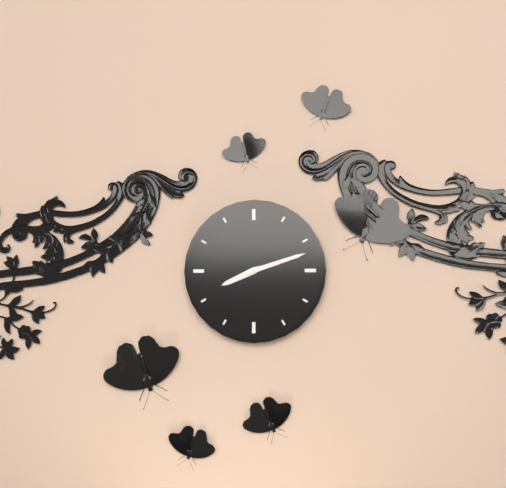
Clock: 8 h 12 min
